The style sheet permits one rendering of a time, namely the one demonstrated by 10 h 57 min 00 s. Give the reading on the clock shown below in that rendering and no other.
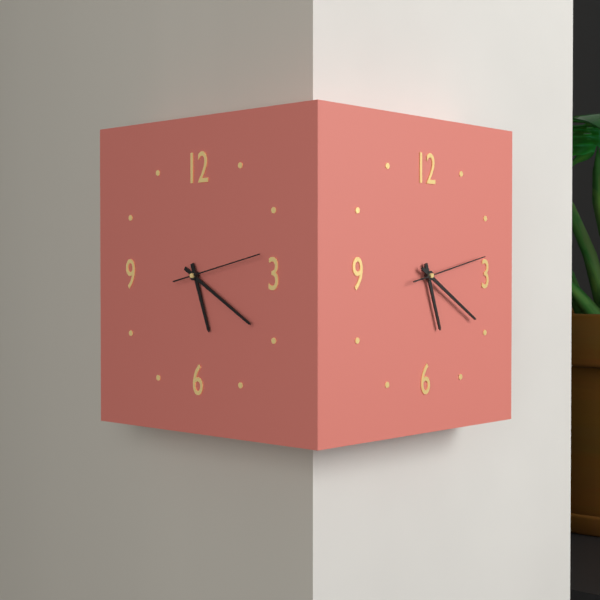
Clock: 5 h 20 min 13 s
